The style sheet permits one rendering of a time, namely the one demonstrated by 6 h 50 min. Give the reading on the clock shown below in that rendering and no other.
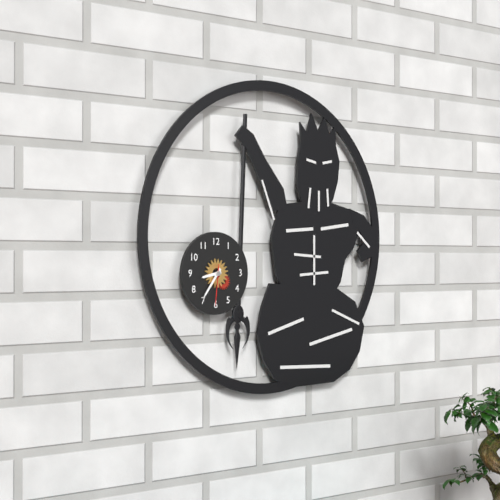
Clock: 8 h 36 min
